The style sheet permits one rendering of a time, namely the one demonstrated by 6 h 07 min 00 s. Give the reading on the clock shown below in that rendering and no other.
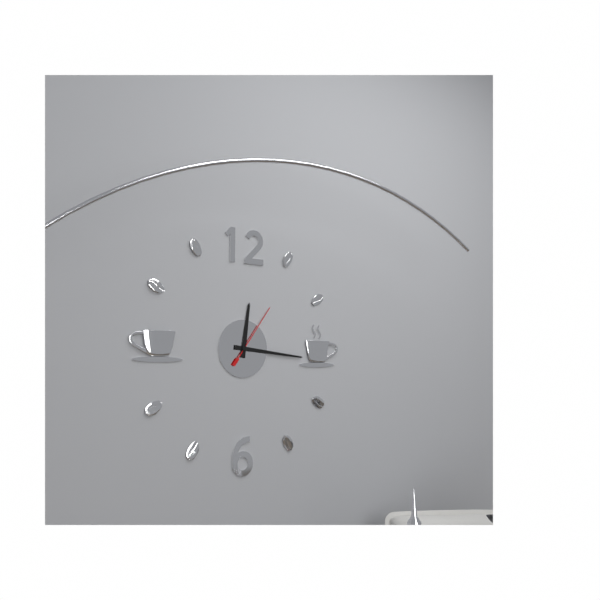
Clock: 12 h 16 min 06 s
